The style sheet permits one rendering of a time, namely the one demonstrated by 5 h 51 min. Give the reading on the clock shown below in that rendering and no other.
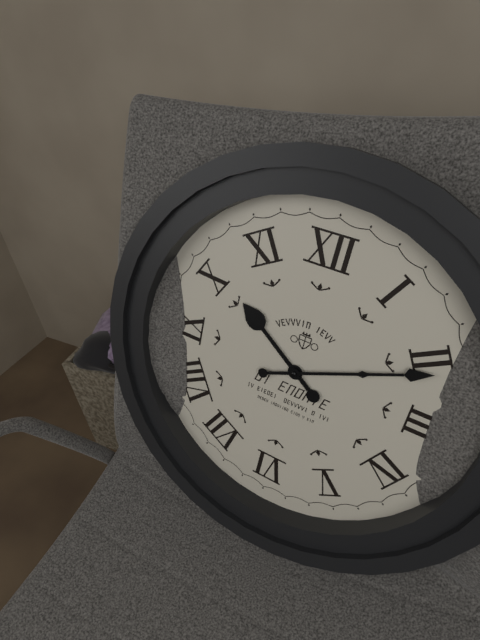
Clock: 10 h 11 min
